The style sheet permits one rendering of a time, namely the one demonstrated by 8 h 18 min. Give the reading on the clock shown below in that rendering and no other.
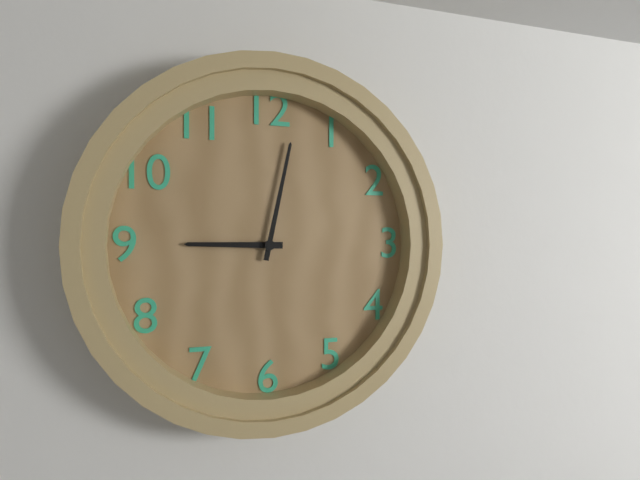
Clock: 9 h 02 min
